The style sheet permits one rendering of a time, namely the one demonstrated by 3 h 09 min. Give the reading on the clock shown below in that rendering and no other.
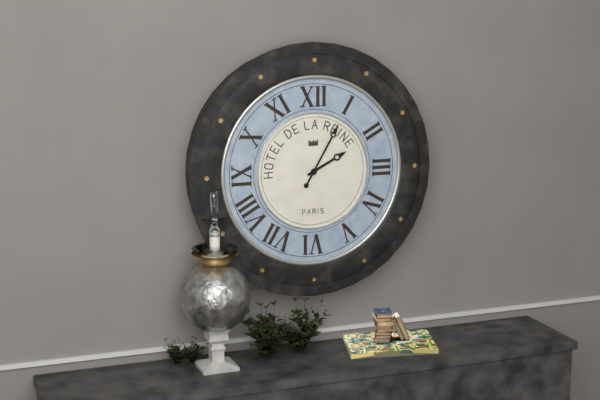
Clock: 2 h 05 min
